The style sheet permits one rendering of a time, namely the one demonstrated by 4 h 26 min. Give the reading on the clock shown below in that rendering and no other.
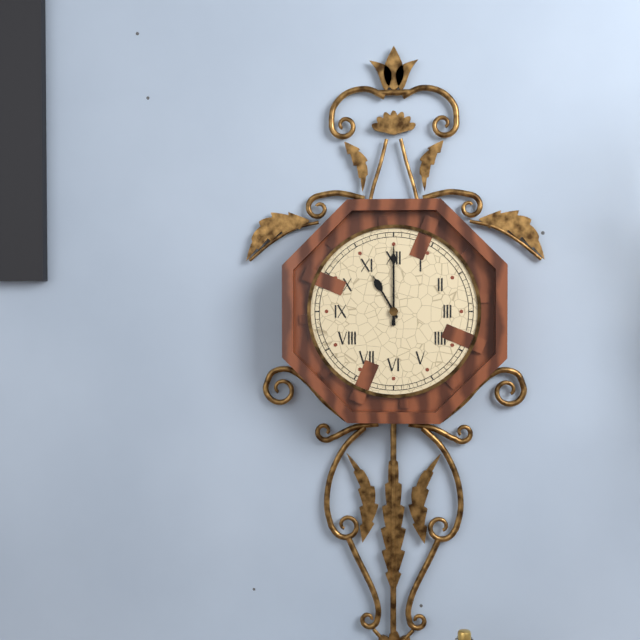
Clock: 11 h 00 min
